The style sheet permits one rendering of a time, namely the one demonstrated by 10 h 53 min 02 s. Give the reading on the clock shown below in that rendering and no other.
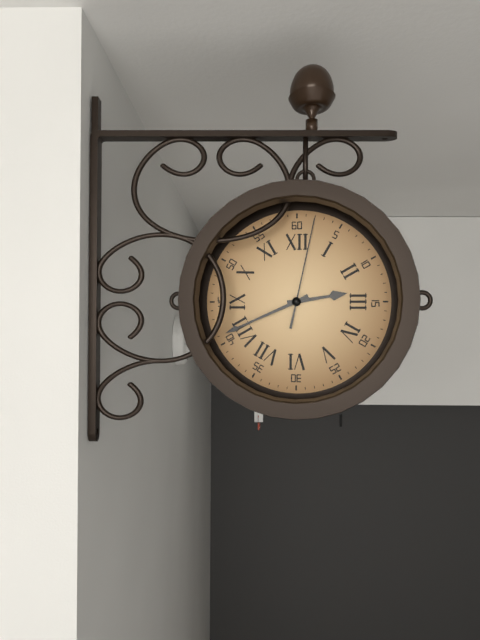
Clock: 2 h 41 min 02 s
